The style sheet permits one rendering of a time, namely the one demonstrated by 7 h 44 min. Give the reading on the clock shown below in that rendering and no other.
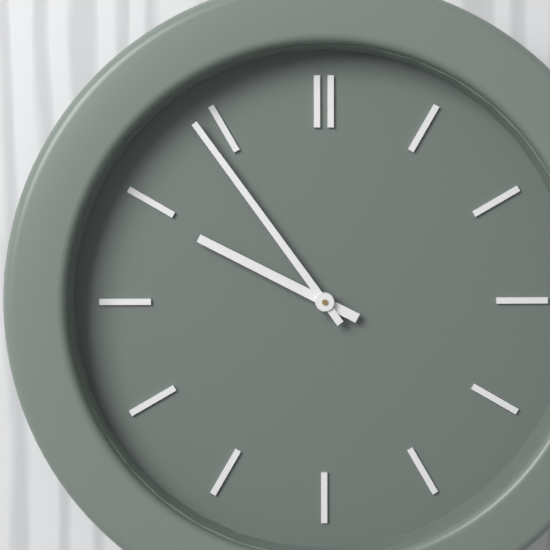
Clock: 9 h 54 min
